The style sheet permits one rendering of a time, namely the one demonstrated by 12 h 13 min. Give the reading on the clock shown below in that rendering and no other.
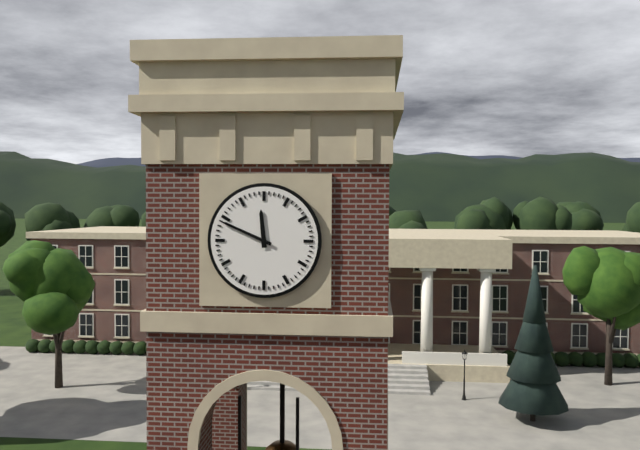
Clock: 11 h 49 min
